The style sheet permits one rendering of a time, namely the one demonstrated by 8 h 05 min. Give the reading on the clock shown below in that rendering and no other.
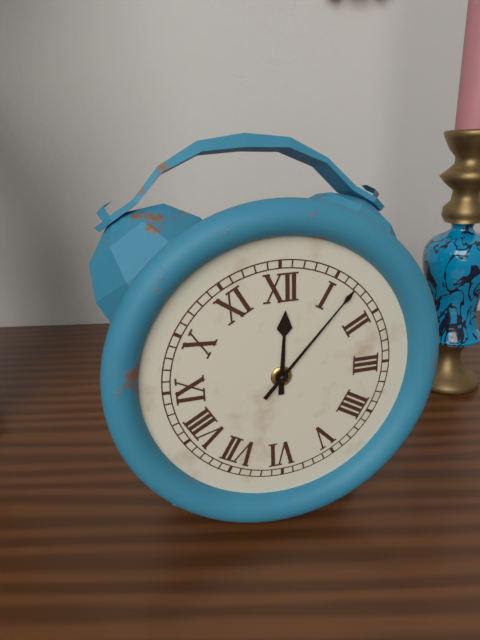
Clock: 12 h 07 min
